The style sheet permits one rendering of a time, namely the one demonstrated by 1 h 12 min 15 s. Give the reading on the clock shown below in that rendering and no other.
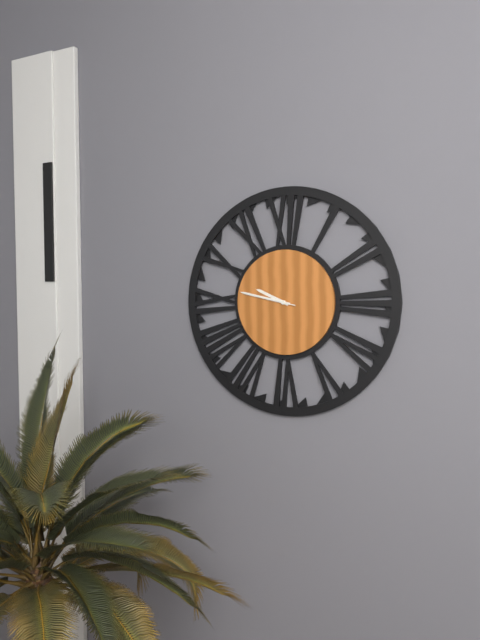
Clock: 9 h 47 min 47 s
